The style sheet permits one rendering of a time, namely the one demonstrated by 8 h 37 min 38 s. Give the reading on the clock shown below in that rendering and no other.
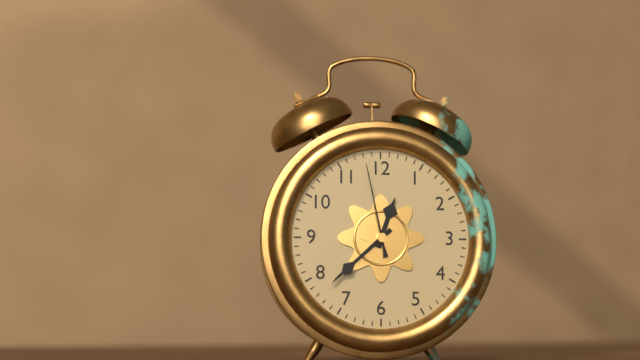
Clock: 12 h 38 min 58 s
